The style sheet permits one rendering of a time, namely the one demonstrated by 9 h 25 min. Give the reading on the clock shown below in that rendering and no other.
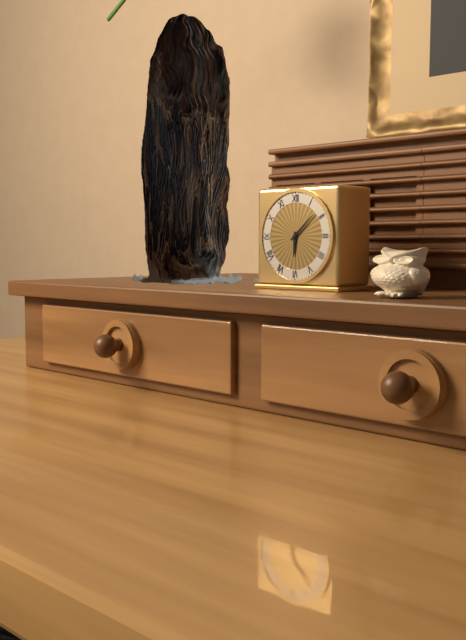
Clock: 6 h 08 min
